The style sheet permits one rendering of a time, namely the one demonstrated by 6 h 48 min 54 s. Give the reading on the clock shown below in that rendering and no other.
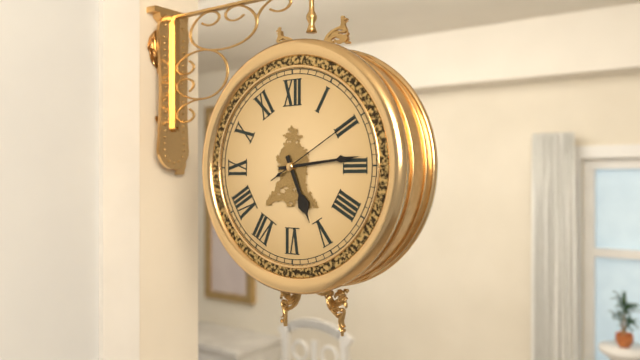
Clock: 5 h 14 min 10 s
